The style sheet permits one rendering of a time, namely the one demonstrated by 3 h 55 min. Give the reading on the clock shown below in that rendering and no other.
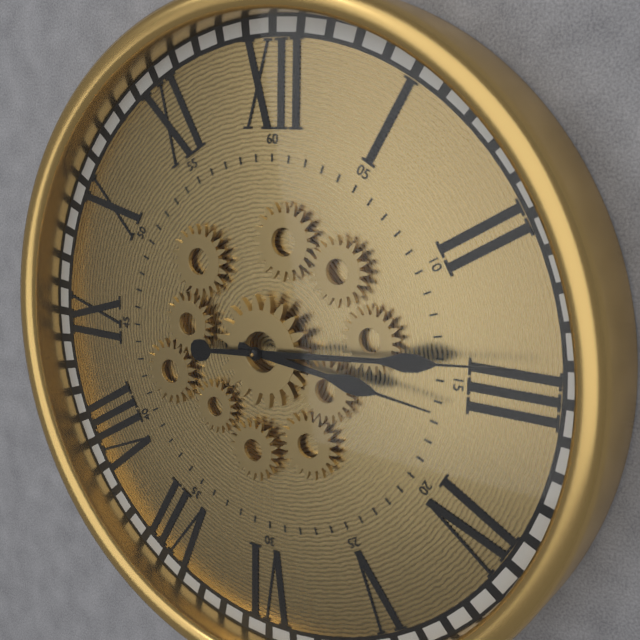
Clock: 3 h 14 min
